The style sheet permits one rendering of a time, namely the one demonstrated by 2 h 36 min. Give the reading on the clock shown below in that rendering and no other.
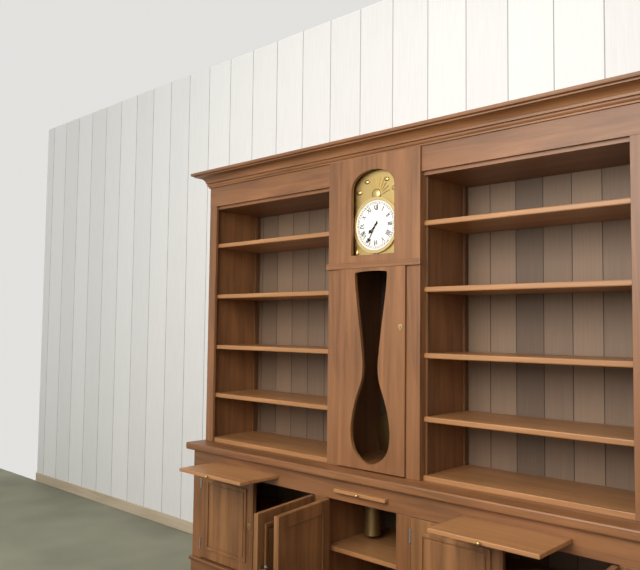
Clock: 7 h 35 min
